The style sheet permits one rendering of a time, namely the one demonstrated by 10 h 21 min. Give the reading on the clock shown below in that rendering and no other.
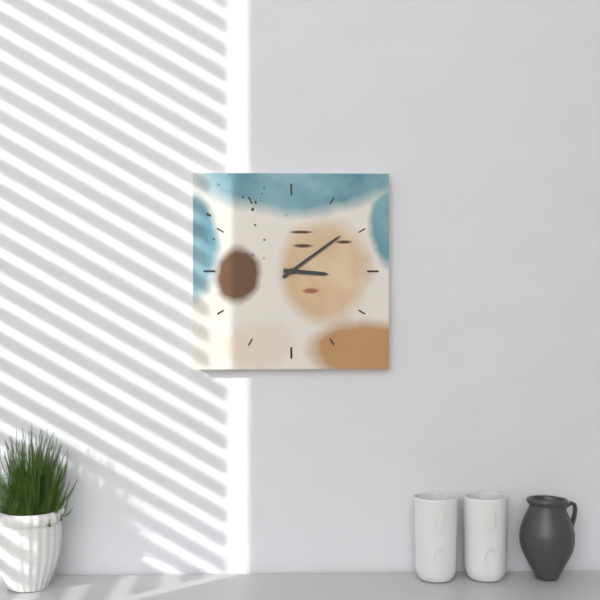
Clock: 3 h 09 min
